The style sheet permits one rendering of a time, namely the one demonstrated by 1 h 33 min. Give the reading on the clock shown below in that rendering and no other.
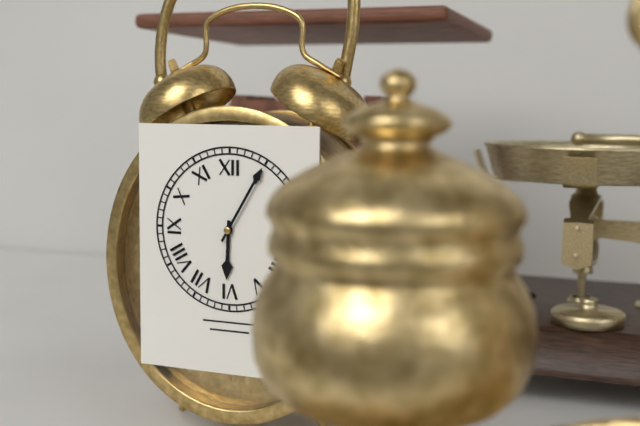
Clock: 6 h 05 min
